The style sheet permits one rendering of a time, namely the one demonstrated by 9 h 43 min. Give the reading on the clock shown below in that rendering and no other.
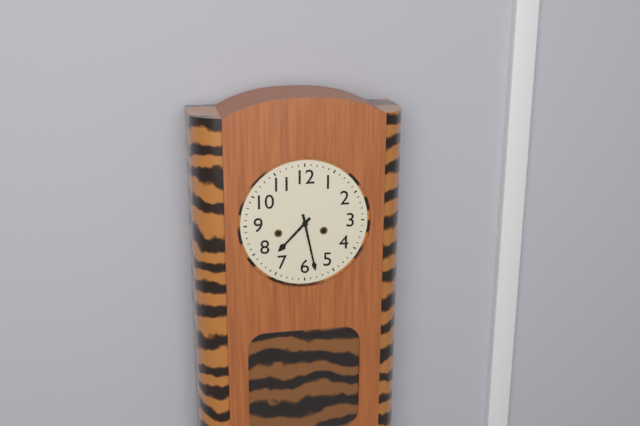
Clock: 7 h 28 min
